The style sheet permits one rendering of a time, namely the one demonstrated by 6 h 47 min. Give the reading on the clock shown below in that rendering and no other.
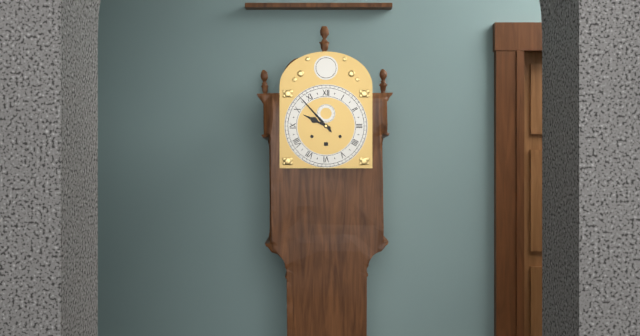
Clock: 9 h 53 min
